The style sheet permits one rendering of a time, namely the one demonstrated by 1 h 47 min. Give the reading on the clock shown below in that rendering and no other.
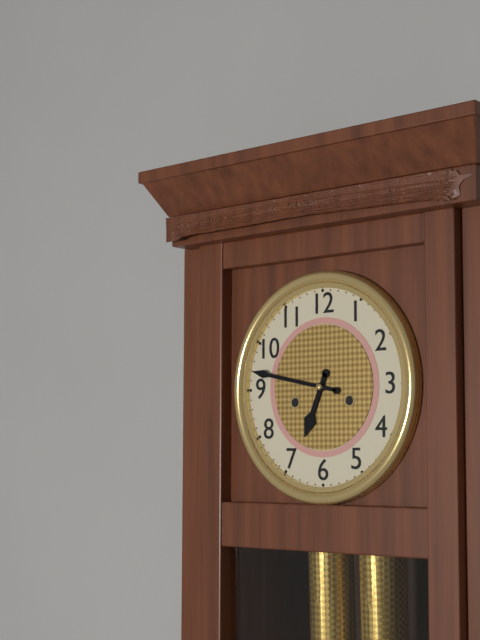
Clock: 6 h 47 min
